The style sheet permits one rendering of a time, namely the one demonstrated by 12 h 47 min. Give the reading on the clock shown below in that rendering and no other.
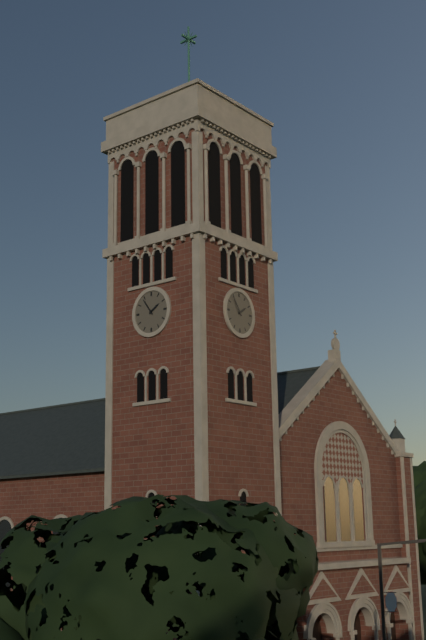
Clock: 1 h 54 min
